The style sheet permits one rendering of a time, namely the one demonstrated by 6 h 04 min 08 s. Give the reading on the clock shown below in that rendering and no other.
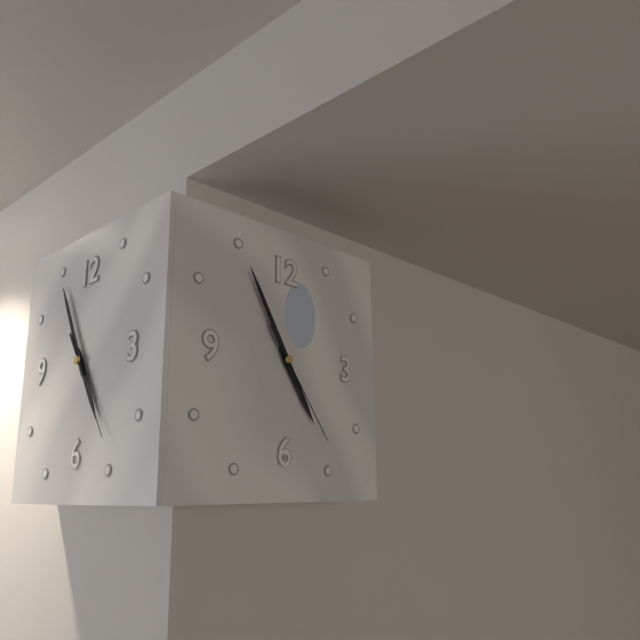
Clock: 4 h 55 min 24 s
